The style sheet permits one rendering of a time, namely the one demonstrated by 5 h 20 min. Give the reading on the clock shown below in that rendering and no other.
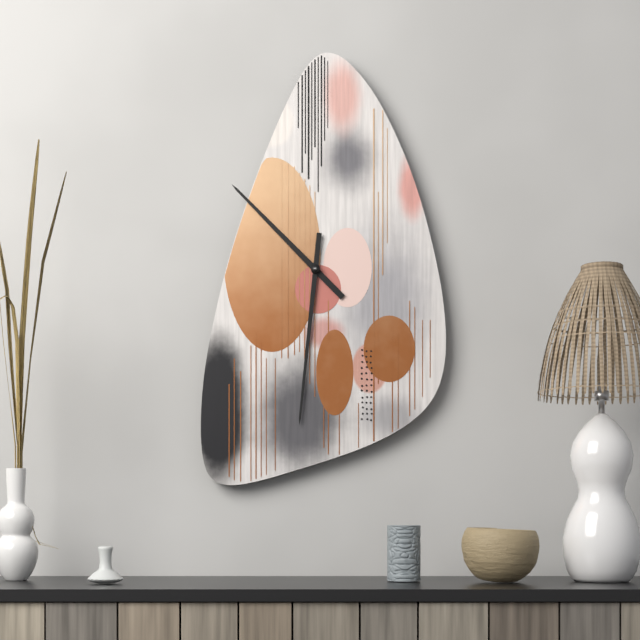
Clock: 10 h 31 min
